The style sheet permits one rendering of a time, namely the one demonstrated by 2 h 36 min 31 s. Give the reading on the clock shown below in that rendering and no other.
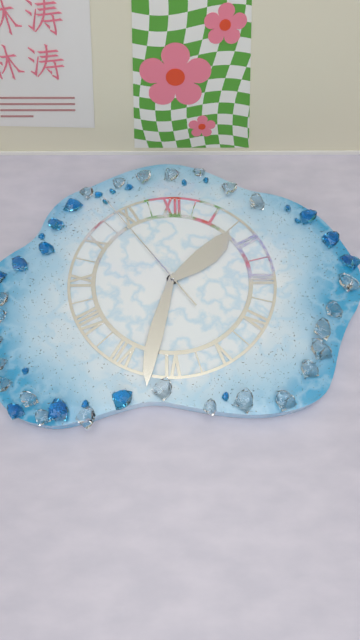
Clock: 1 h 32 min 54 s
